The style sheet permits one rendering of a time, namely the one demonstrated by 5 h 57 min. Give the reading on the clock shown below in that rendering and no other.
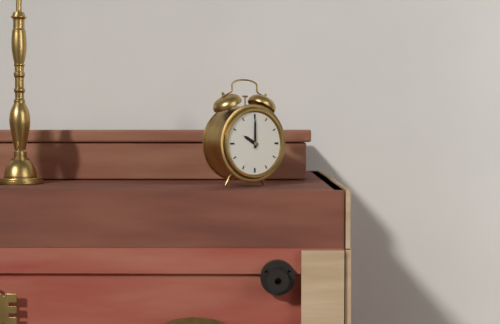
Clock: 10 h 00 min
